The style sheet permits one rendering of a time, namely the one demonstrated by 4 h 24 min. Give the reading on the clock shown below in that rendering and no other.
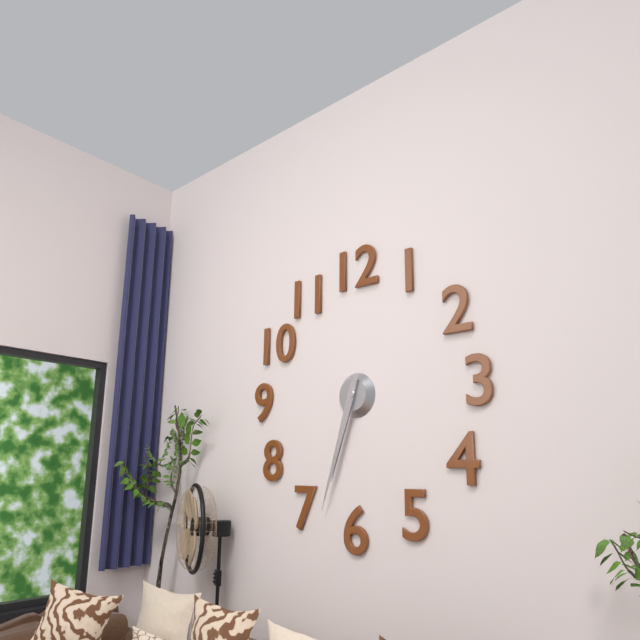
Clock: 6 h 33 min
